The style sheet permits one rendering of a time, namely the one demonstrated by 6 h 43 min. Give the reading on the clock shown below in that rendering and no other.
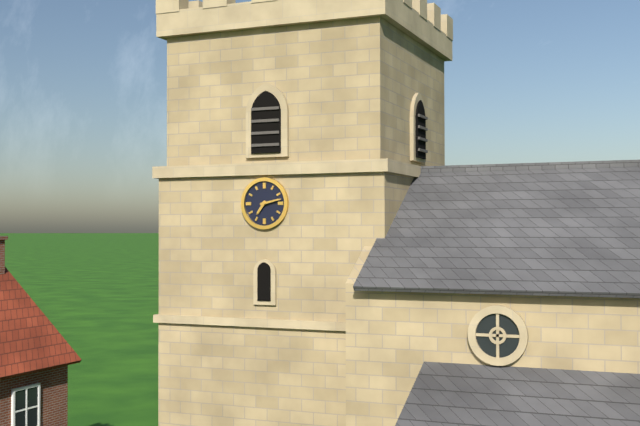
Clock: 7 h 13 min
